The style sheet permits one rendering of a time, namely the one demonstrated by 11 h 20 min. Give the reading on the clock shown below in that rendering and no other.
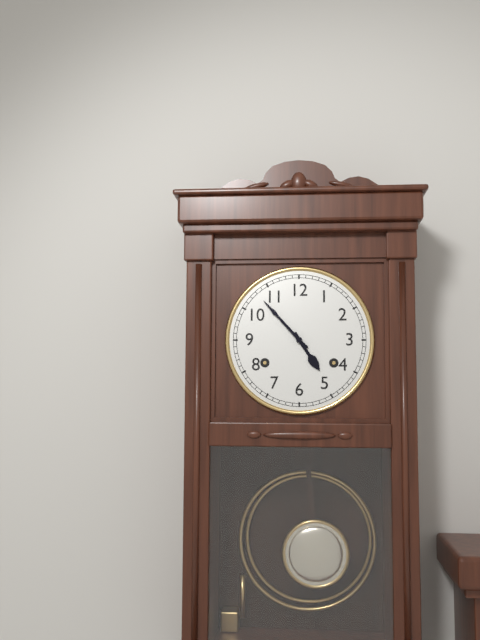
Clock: 4 h 53 min
